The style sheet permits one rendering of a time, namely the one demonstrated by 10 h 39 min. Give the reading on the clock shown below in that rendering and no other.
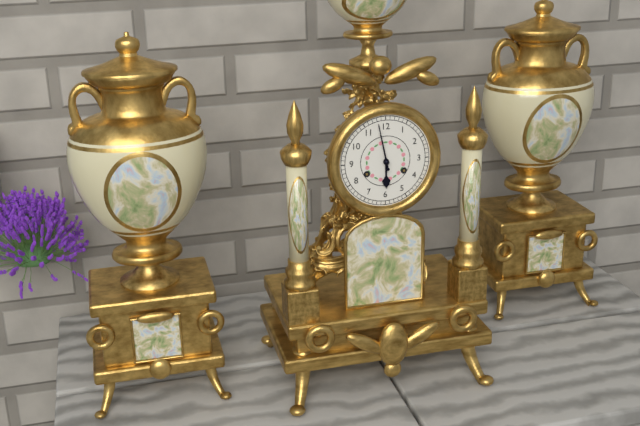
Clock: 5 h 58 min
